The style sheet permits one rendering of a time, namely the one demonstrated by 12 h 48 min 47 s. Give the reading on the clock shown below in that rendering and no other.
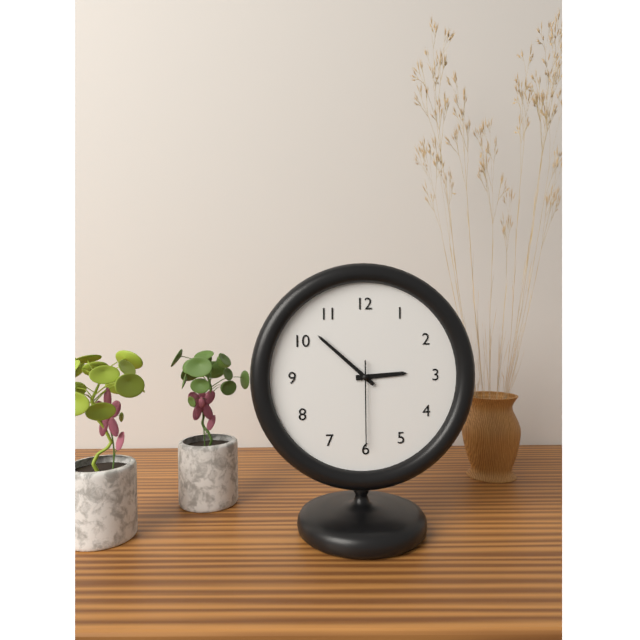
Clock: 2 h 52 min 30 s
